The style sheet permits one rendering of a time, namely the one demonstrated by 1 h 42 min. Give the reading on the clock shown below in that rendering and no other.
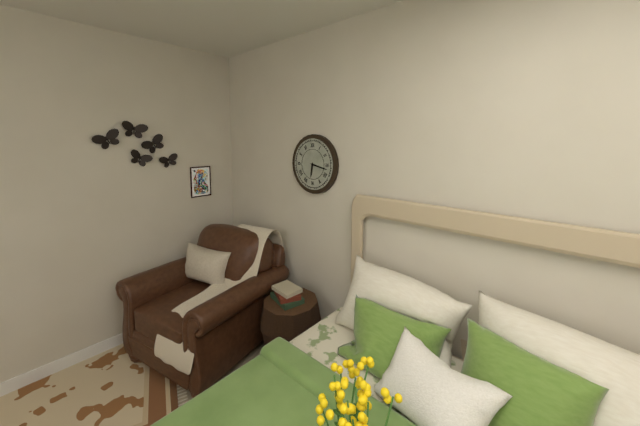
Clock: 6 h 17 min
